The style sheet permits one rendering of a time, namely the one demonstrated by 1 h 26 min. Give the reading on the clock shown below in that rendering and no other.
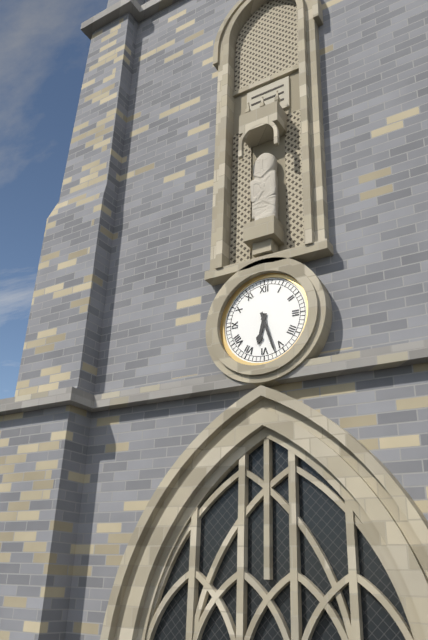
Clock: 6 h 27 min
